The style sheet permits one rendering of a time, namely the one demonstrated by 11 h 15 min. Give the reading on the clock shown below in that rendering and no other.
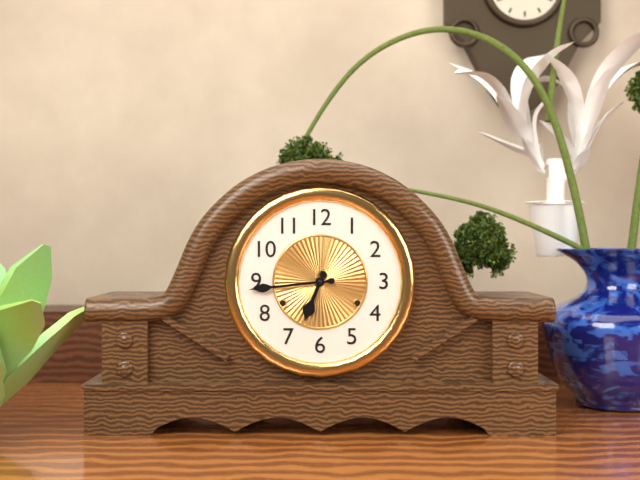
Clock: 6 h 44 min
